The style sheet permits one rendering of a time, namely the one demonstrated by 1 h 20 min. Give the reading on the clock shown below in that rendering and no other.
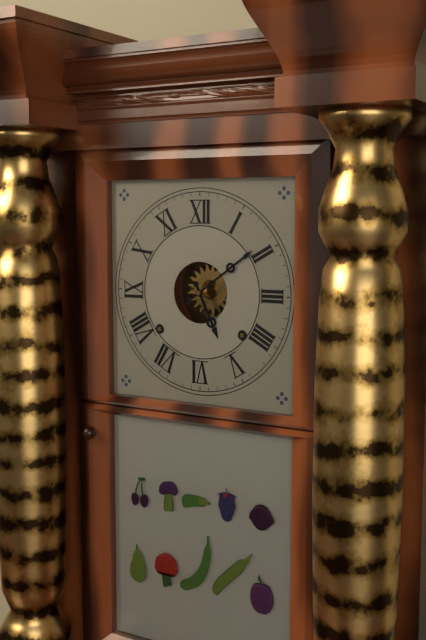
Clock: 5 h 09 min
